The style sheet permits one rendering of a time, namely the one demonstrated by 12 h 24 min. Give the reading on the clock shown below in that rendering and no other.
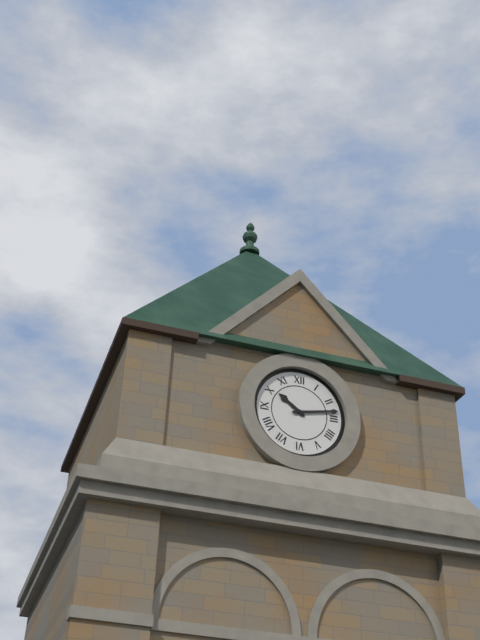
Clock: 10 h 13 min
